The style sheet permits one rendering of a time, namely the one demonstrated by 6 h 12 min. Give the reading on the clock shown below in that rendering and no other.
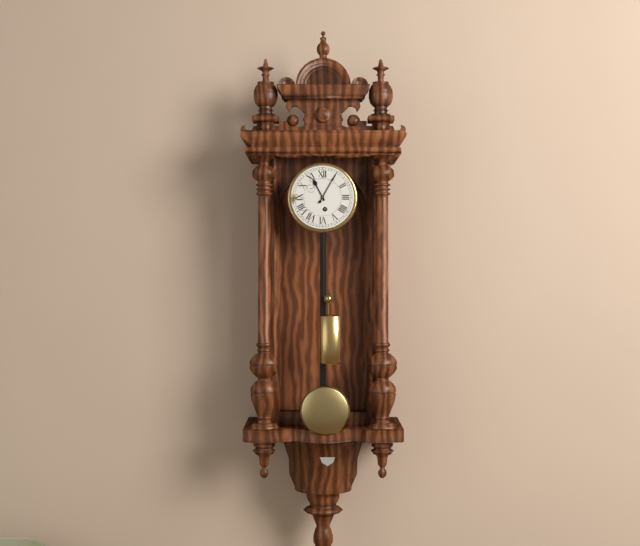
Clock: 11 h 05 min
